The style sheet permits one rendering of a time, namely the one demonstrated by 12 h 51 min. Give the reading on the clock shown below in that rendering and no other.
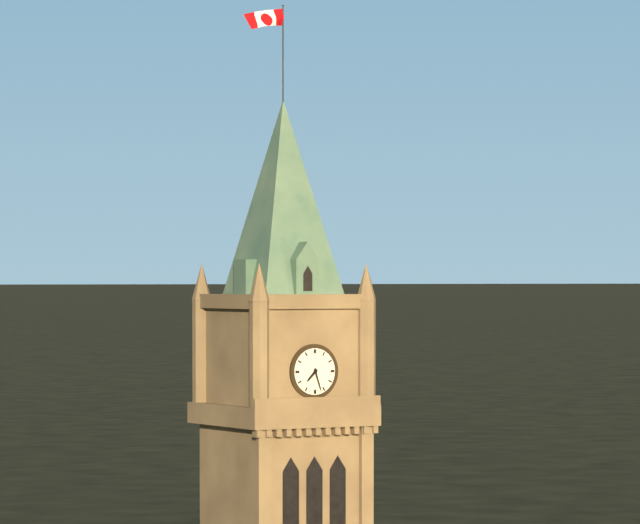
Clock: 7 h 27 min
